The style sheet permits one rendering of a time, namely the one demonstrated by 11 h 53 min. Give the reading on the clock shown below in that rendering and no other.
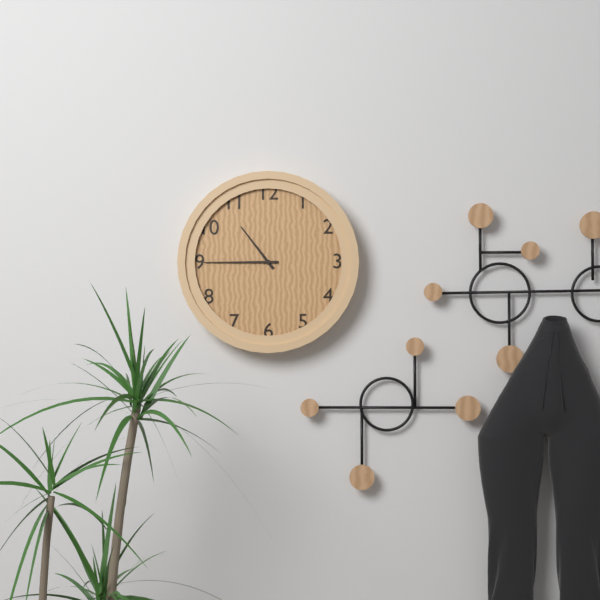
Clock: 10 h 45 min
